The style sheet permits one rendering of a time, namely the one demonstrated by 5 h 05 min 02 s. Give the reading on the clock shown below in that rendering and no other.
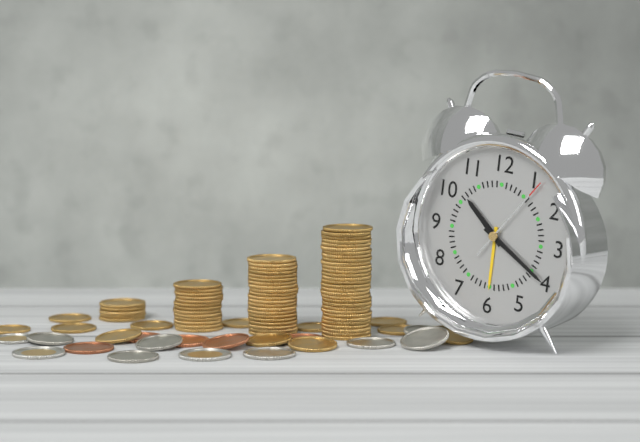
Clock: 10 h 20 min 06 s
